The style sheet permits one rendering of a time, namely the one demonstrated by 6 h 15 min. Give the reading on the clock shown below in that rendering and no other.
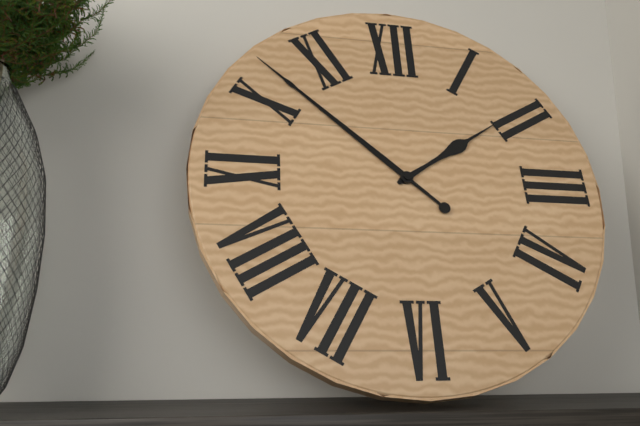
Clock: 1 h 52 min
